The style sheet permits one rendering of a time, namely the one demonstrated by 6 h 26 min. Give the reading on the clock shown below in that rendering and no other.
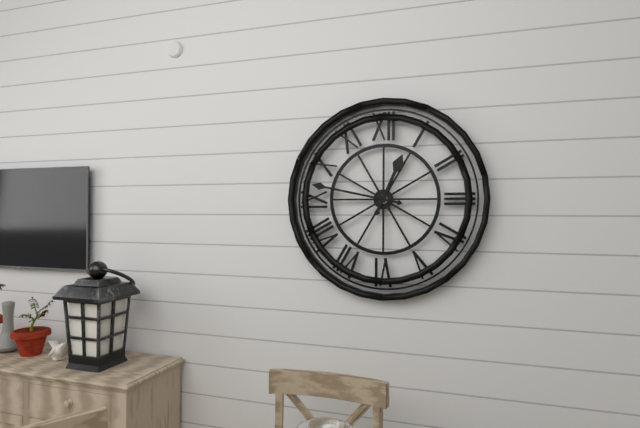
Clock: 12 h 47 min
